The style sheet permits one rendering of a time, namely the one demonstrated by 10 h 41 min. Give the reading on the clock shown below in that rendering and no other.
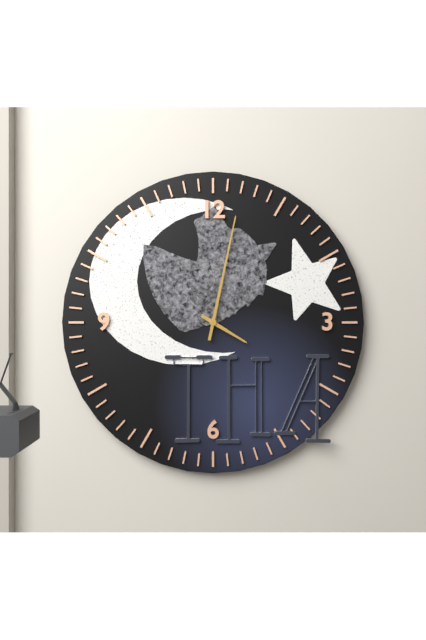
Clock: 4 h 02 min
